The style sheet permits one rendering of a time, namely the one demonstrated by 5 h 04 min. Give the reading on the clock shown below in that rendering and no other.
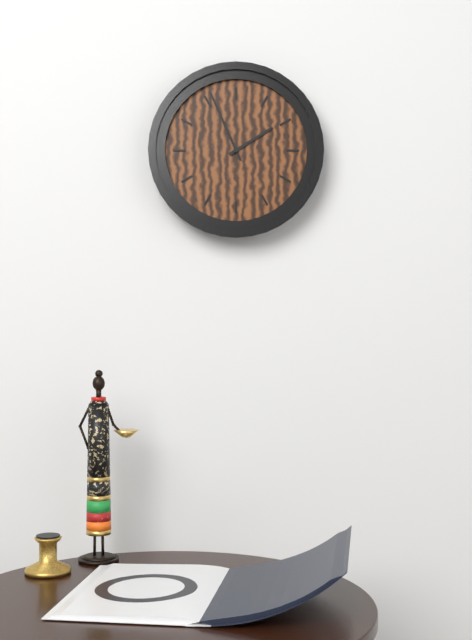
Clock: 1 h 56 min
